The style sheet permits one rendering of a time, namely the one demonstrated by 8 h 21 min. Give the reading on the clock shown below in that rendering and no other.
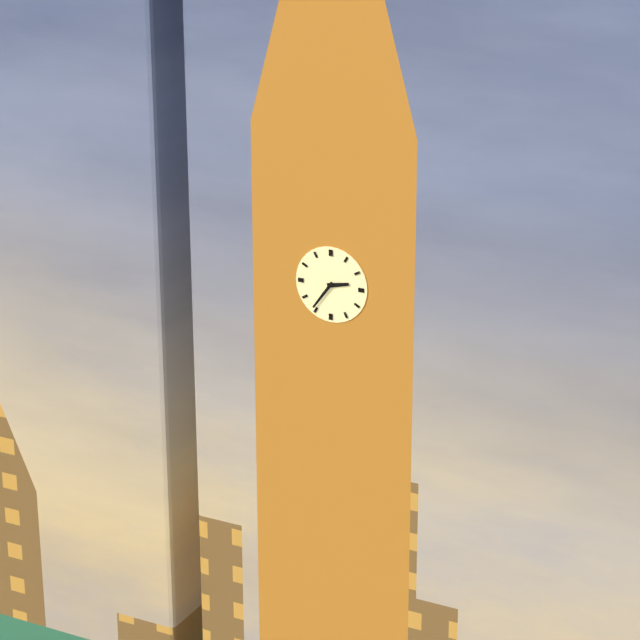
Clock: 2 h 36 min
